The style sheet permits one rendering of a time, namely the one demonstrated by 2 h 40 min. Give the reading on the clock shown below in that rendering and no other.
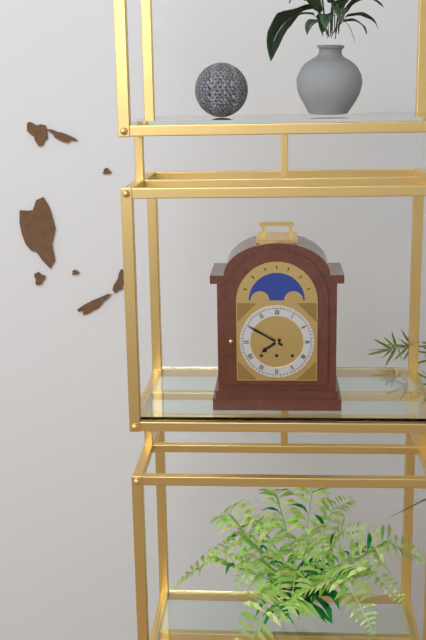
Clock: 7 h 50 min
